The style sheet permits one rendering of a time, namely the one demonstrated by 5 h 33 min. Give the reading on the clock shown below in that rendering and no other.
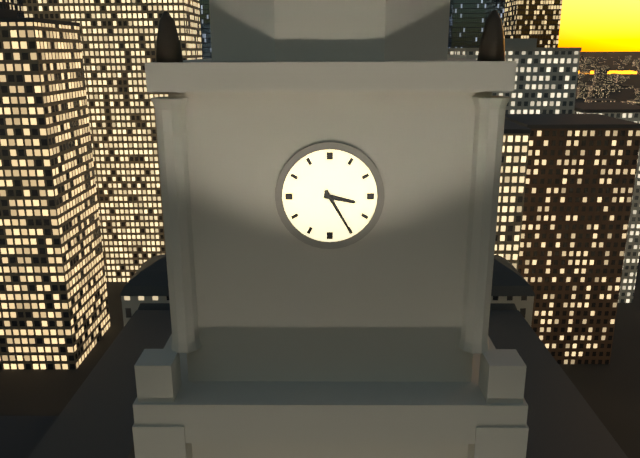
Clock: 3 h 25 min
